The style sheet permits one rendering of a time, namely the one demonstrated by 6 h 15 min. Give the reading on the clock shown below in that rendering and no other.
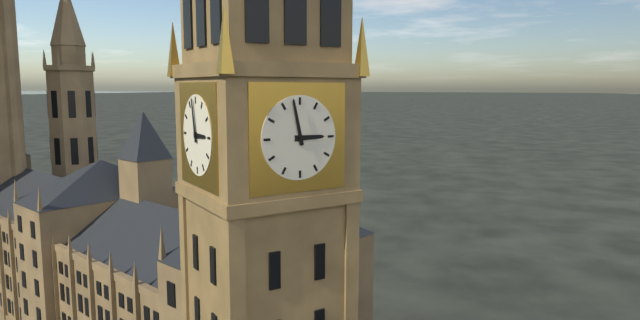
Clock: 2 h 58 min
